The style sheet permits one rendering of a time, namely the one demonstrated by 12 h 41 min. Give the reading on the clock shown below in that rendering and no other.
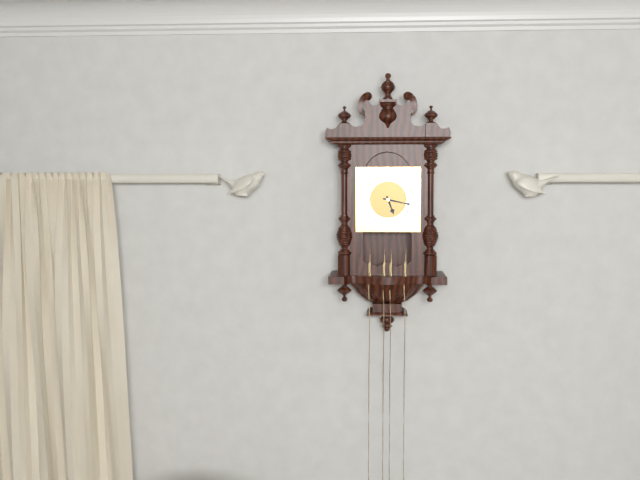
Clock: 5 h 17 min
